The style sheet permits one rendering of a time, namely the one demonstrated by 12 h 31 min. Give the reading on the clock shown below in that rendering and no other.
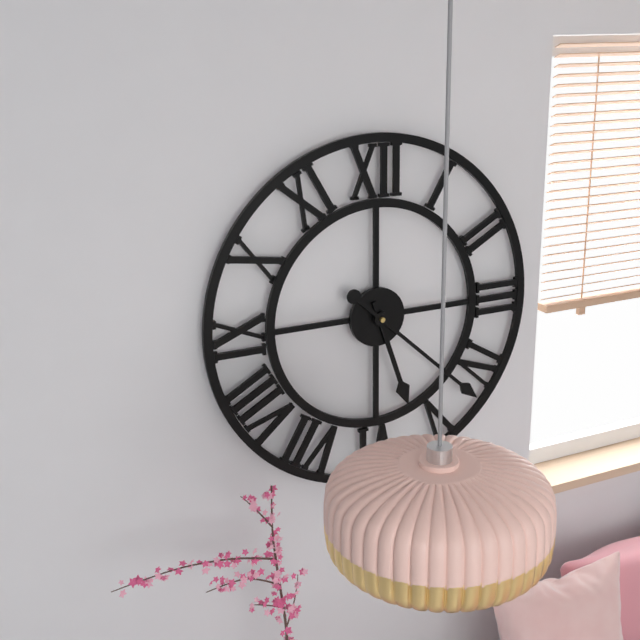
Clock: 5 h 22 min
